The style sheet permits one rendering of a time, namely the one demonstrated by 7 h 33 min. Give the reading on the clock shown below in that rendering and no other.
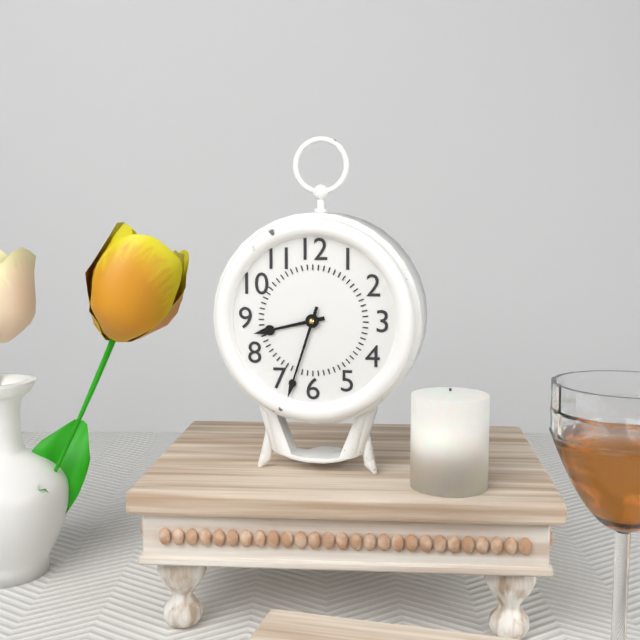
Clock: 8 h 33 min
